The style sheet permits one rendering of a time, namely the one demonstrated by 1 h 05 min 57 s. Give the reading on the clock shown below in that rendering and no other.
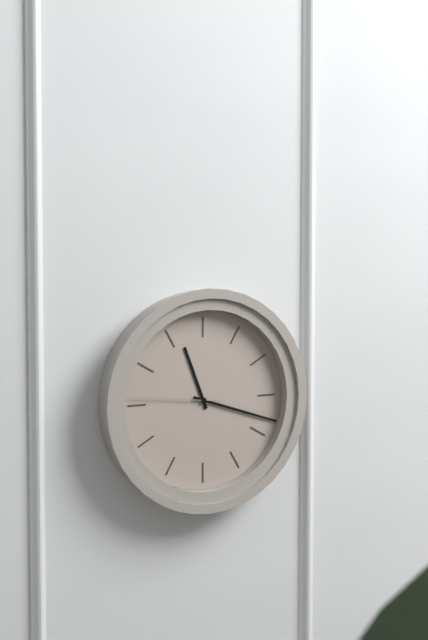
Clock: 11 h 18 min 46 s
